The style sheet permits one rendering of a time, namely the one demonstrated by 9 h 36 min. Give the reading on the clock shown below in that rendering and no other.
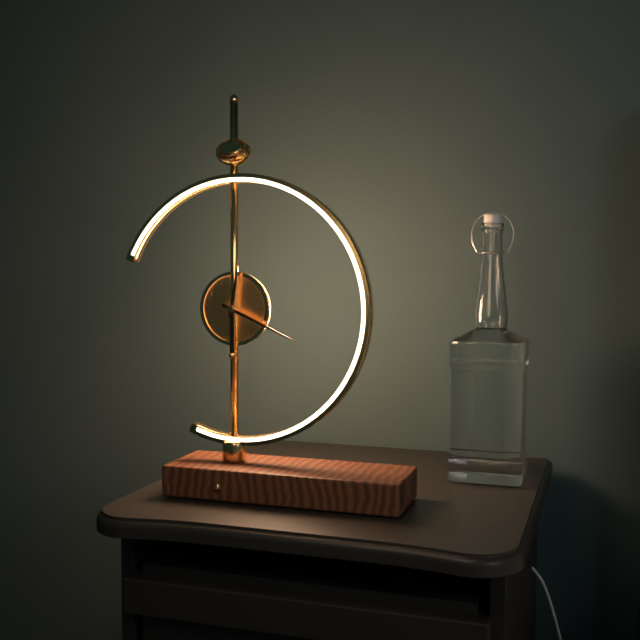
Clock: 12 h 19 min
